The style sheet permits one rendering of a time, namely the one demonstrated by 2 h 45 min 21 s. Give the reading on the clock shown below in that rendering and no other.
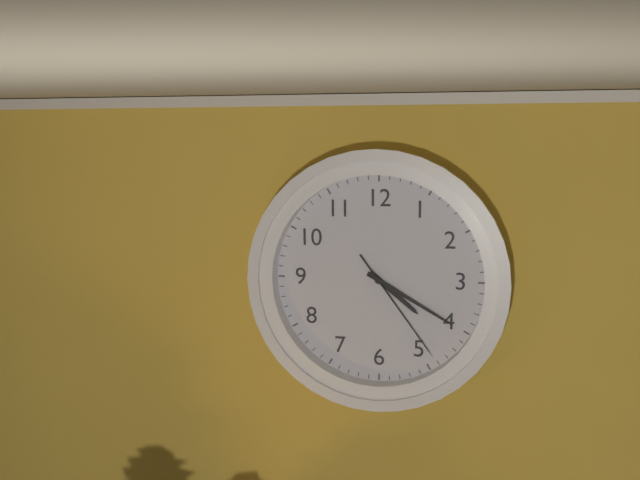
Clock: 4 h 20 min 24 s
